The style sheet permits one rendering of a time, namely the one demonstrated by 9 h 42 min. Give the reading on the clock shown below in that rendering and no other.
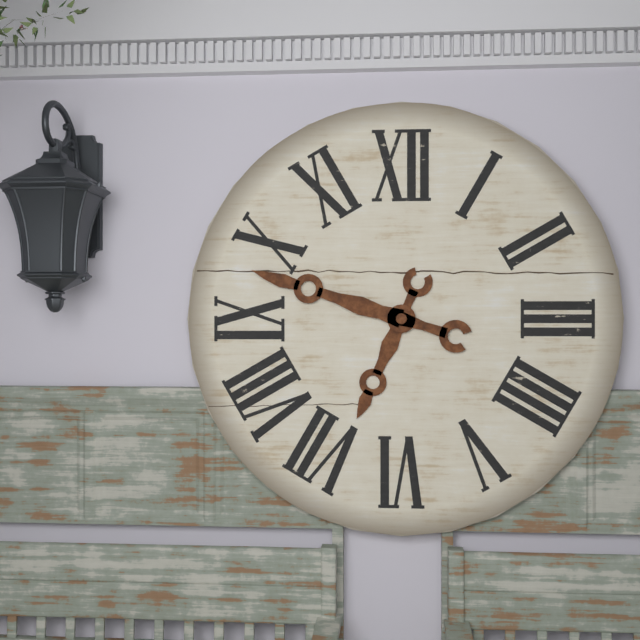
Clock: 6 h 48 min
